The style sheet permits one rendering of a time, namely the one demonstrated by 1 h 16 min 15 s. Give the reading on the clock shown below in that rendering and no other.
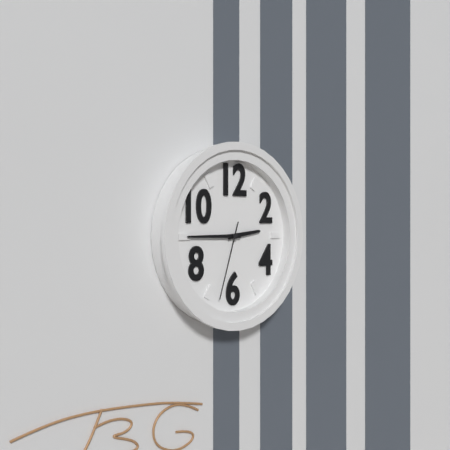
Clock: 2 h 45 min 33 s
